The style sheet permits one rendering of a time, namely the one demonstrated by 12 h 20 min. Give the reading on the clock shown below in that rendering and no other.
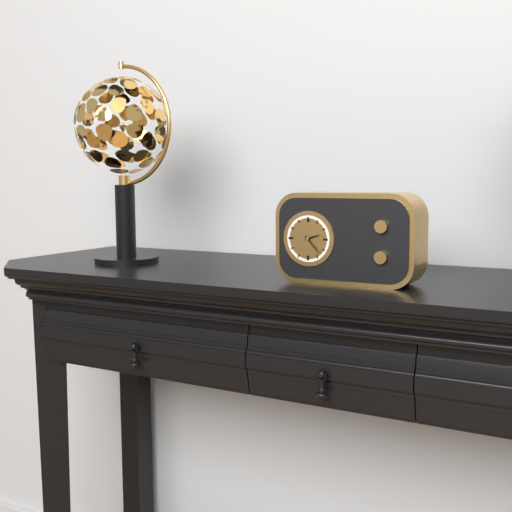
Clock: 2 h 23 min
